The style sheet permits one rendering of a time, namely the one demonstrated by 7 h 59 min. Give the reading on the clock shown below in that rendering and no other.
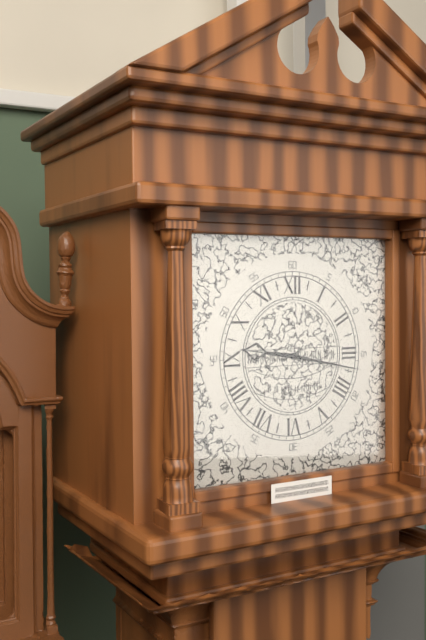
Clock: 9 h 17 min
